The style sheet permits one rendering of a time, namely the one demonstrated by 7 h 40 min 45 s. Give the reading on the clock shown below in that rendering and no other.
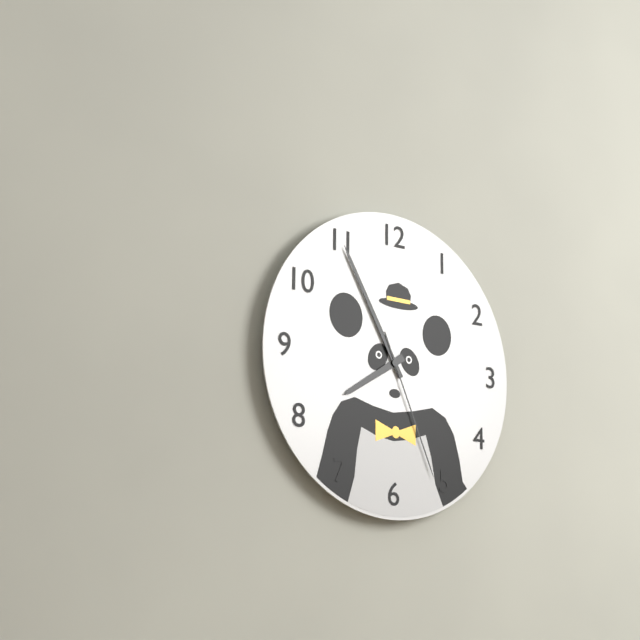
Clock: 7 h 55 min 26 s
